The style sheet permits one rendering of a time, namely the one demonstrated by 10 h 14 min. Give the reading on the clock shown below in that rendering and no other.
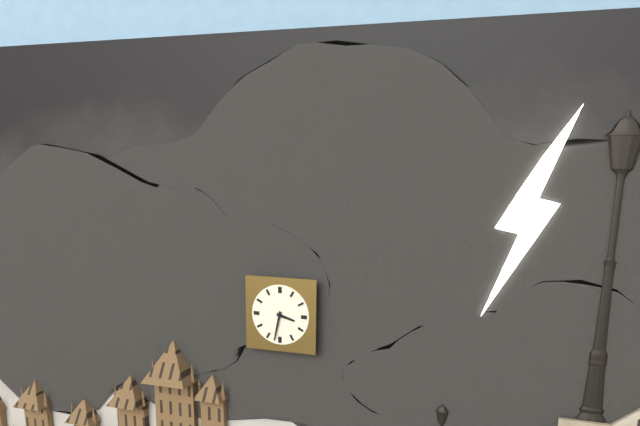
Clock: 3 h 32 min
